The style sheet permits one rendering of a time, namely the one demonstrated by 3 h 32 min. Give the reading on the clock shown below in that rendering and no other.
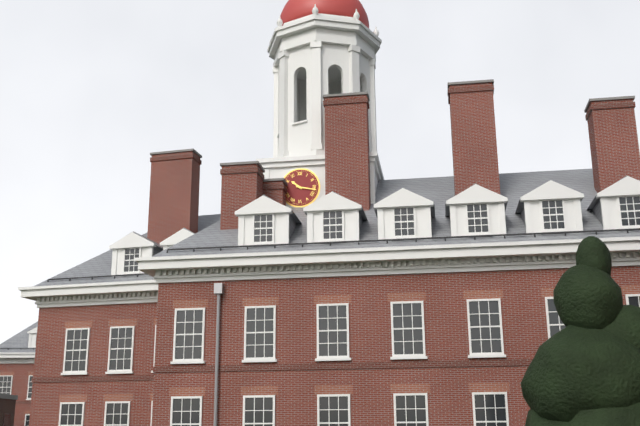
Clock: 10 h 17 min
